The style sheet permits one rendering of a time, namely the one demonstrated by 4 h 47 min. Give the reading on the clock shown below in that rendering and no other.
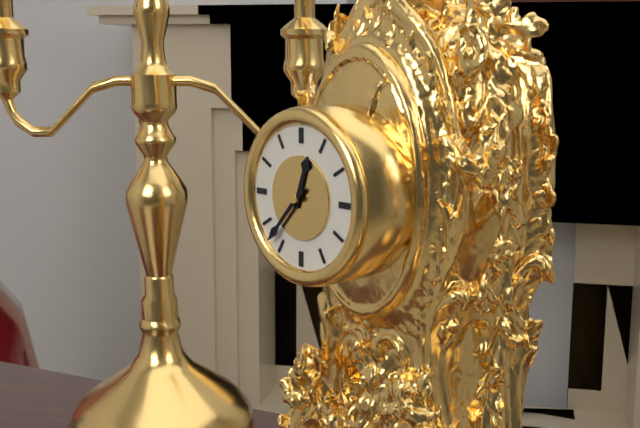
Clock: 12 h 37 min
